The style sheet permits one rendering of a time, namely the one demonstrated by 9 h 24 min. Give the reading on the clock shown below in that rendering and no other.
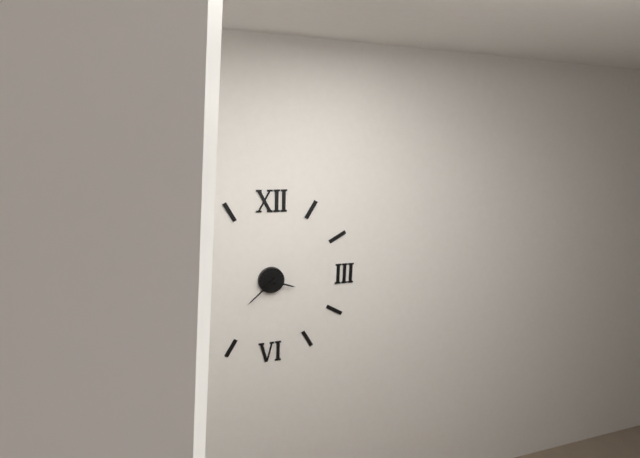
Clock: 3 h 38 min
